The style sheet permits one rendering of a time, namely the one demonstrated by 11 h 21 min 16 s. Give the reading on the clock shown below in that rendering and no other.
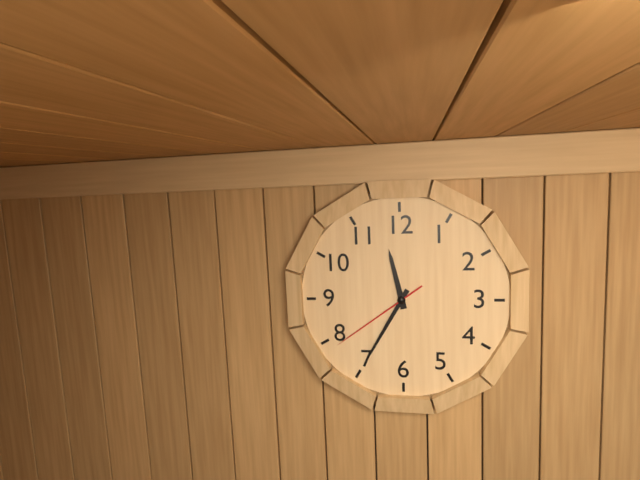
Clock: 11 h 35 min 39 s
